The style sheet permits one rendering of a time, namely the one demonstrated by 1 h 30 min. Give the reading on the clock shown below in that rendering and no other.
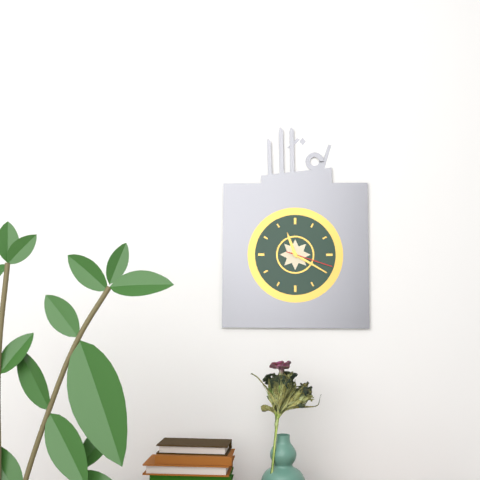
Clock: 11 h 20 min
